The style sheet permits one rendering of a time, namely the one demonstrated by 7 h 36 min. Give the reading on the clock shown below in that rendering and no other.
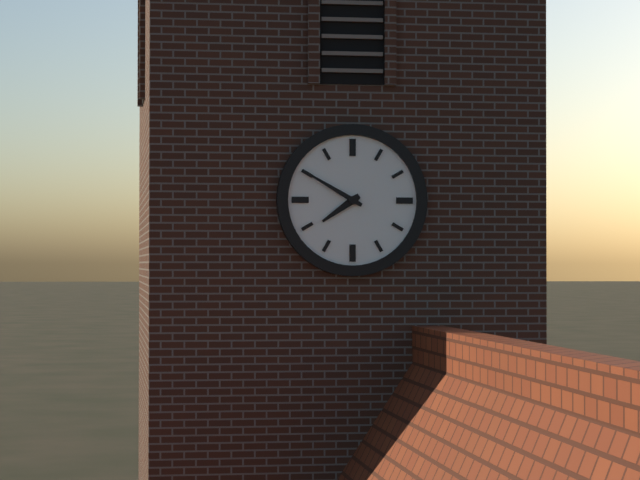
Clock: 7 h 50 min
